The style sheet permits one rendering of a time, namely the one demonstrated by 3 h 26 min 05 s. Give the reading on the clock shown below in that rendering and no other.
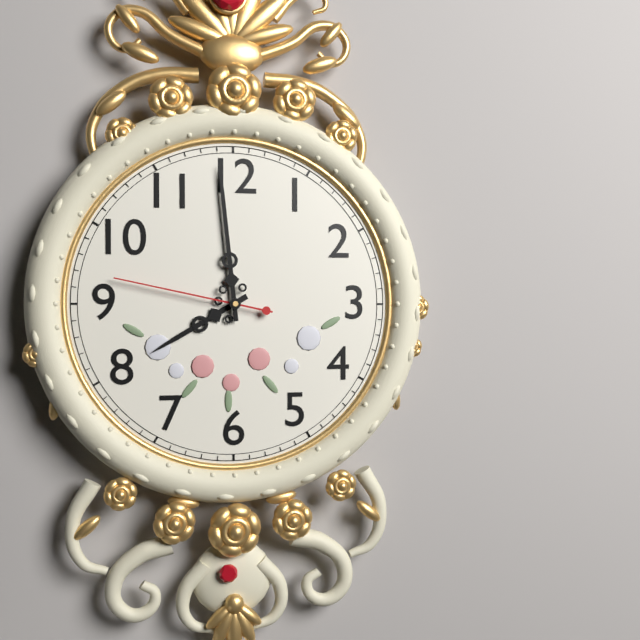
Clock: 7 h 59 min 47 s
